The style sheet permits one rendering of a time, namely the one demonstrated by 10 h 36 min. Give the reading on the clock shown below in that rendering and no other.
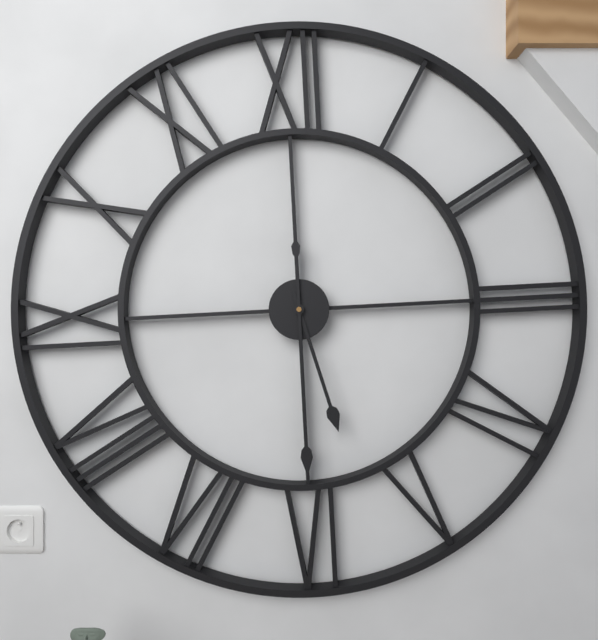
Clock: 5 h 30 min
